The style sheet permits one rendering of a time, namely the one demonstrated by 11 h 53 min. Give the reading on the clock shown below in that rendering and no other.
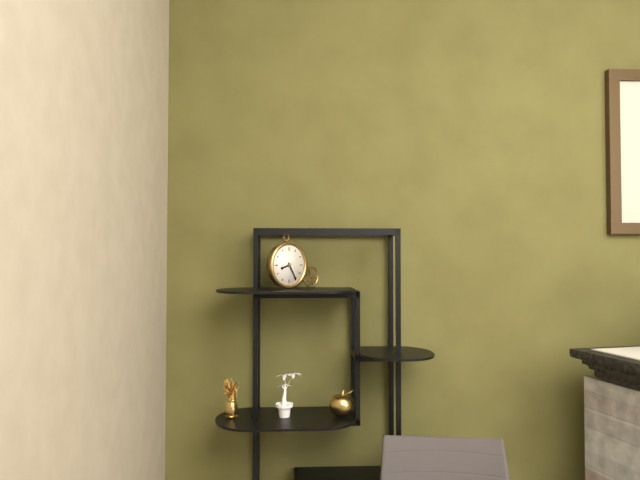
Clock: 8 h 25 min
